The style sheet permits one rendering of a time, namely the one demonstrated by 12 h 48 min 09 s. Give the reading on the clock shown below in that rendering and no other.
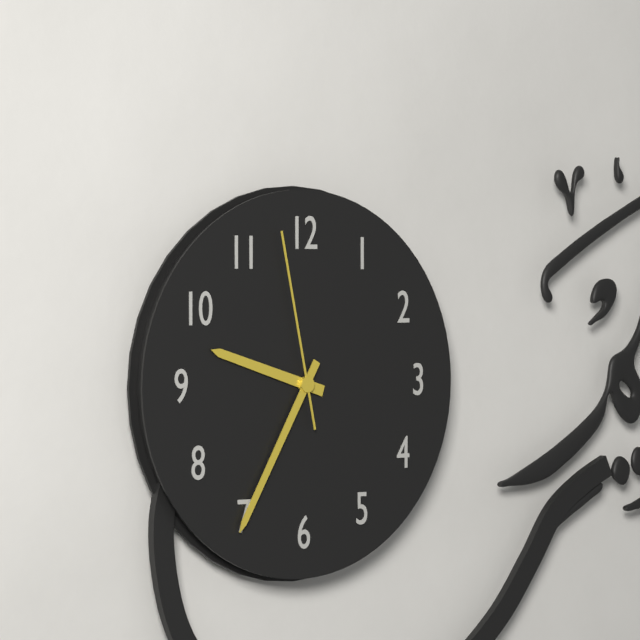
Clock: 9 h 35 min 58 s
